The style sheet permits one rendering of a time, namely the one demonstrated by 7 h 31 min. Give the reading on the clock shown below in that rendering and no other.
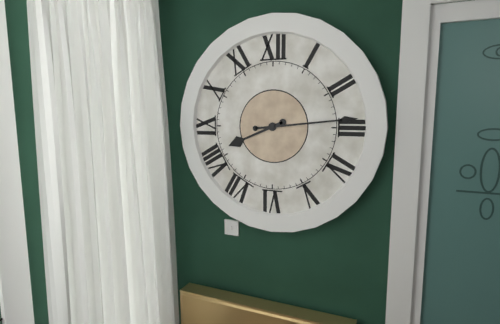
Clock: 8 h 14 min
